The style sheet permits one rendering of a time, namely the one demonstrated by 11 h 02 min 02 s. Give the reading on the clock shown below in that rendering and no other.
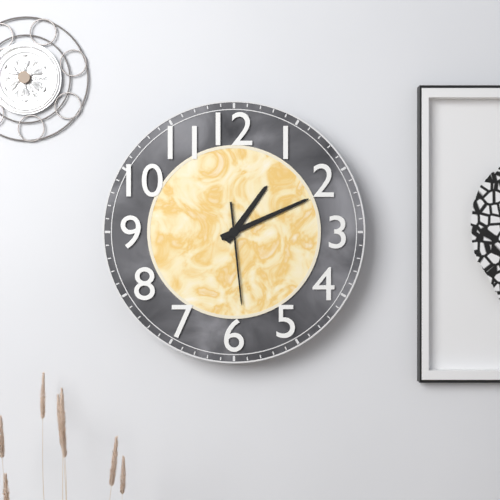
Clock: 1 h 11 min 29 s
